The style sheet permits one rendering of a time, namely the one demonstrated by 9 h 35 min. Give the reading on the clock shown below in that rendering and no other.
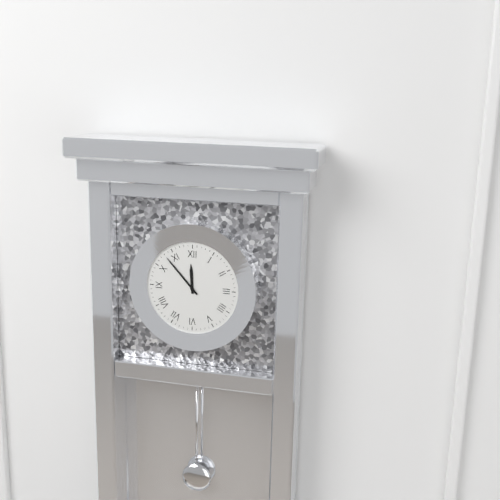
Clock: 11 h 53 min
